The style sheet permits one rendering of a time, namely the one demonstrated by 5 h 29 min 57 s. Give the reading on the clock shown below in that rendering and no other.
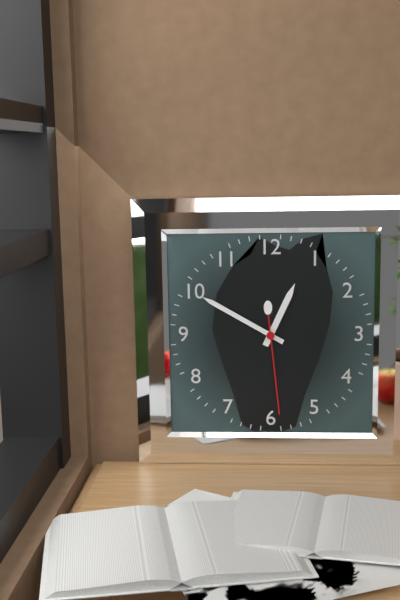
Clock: 12 h 50 min 29 s
